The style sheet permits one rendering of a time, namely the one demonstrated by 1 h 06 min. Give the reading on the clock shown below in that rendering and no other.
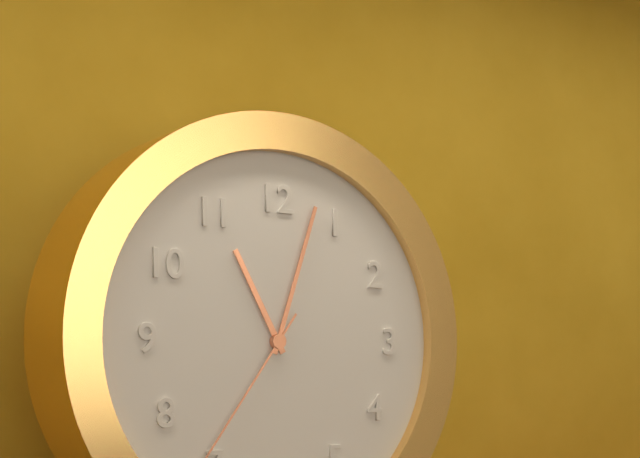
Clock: 11 h 03 min
